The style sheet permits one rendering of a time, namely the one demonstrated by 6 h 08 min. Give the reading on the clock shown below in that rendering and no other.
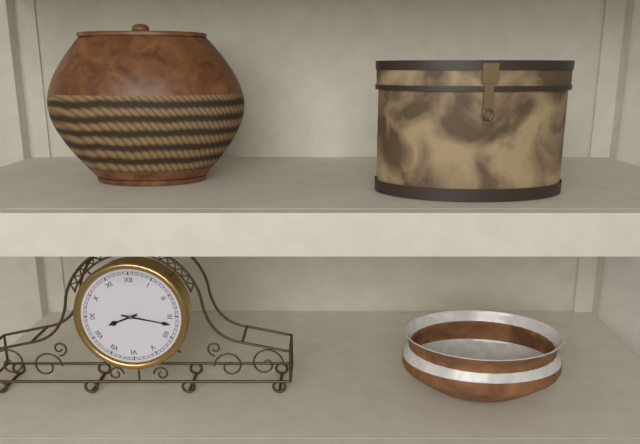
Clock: 8 h 17 min
